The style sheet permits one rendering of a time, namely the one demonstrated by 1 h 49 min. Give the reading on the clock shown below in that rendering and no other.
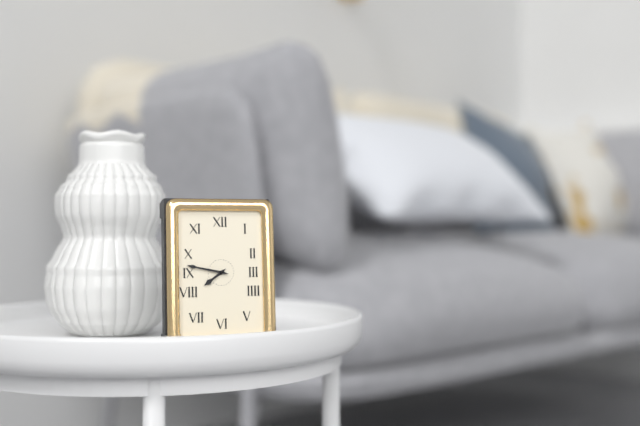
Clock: 7 h 47 min
